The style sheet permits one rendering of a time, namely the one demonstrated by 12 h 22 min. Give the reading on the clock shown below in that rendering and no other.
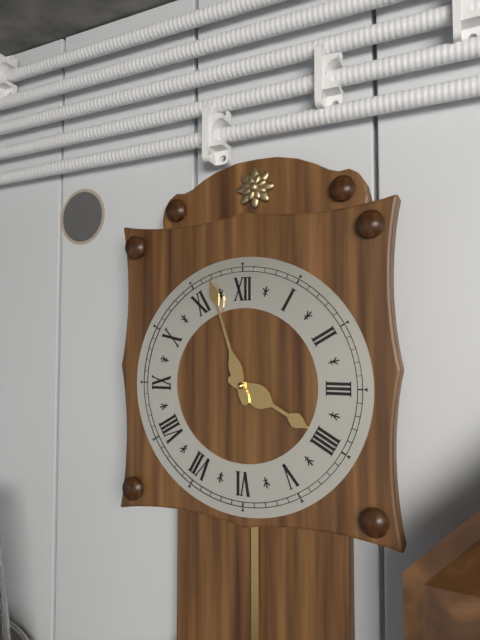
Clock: 3 h 57 min
